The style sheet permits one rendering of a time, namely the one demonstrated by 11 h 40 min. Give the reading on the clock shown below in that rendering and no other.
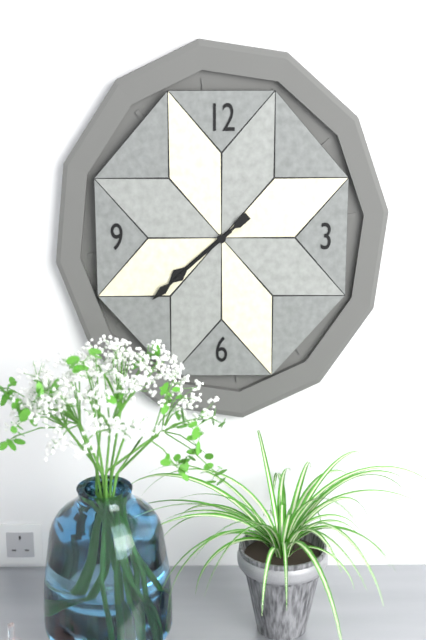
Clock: 7 h 38 min
